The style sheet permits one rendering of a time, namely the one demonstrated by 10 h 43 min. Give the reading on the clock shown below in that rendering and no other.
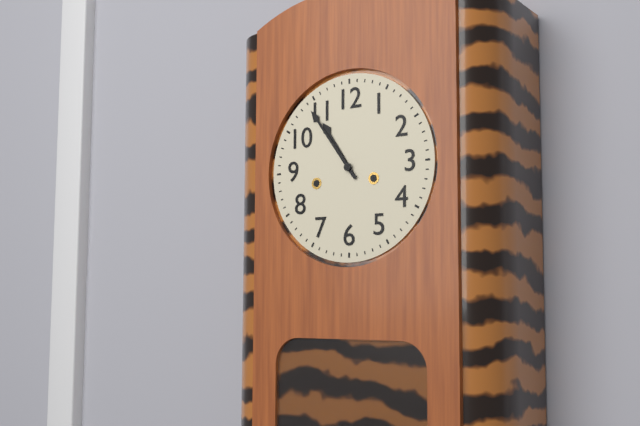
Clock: 10 h 54 min
